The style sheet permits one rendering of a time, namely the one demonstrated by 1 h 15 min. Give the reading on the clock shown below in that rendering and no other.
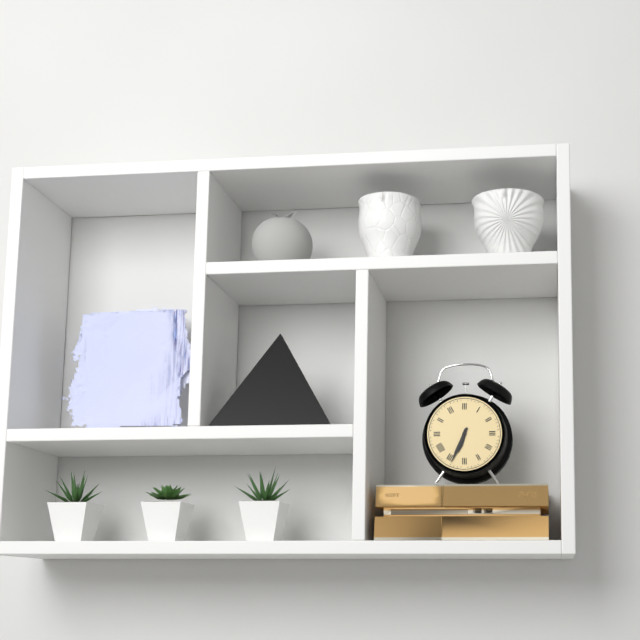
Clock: 6 h 34 min
